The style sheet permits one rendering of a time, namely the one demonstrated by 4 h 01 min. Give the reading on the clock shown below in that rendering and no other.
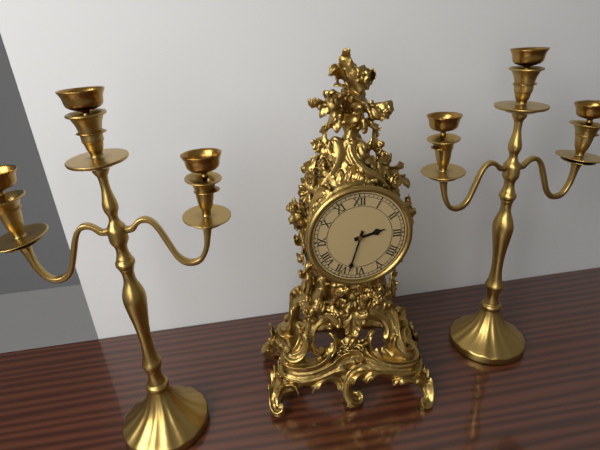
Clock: 2 h 33 min
